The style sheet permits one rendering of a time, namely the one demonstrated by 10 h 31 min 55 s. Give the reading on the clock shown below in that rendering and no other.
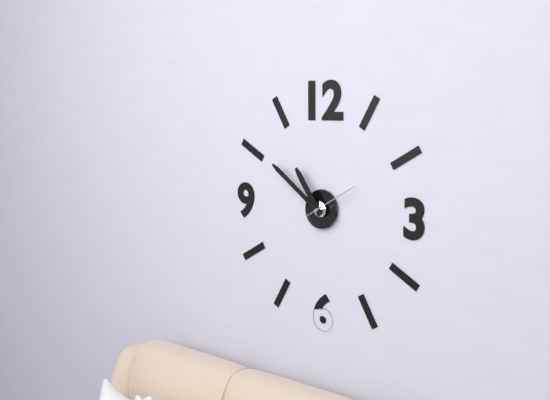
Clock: 10 h 51 min 10 s
